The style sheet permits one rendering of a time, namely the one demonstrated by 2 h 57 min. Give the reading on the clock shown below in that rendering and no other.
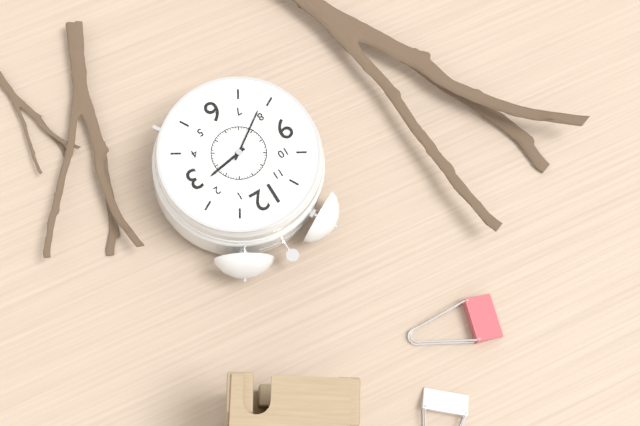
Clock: 2 h 39 min
